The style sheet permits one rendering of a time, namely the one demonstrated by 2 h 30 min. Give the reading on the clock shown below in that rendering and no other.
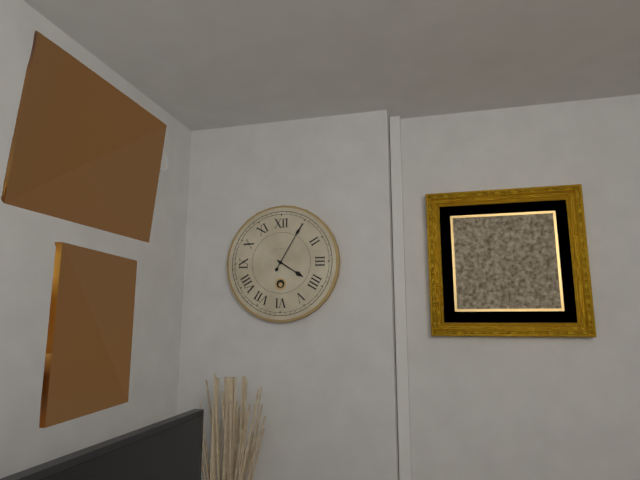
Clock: 4 h 05 min
